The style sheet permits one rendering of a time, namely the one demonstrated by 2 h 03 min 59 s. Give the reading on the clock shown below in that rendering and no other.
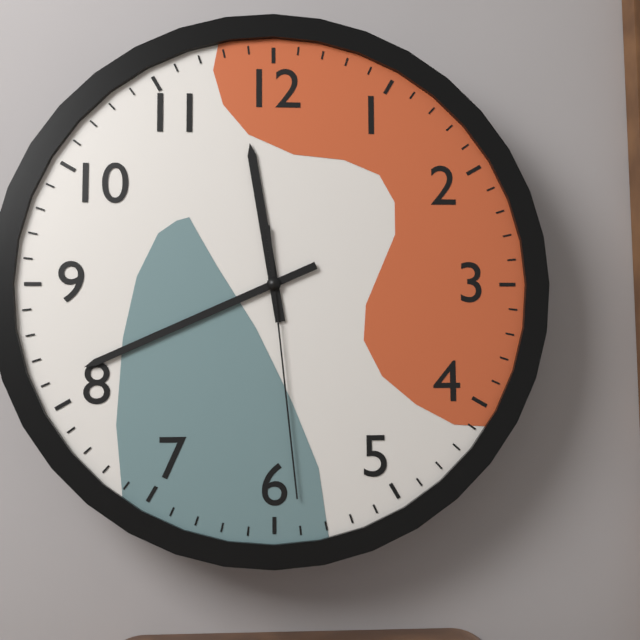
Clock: 11 h 41 min 29 s
